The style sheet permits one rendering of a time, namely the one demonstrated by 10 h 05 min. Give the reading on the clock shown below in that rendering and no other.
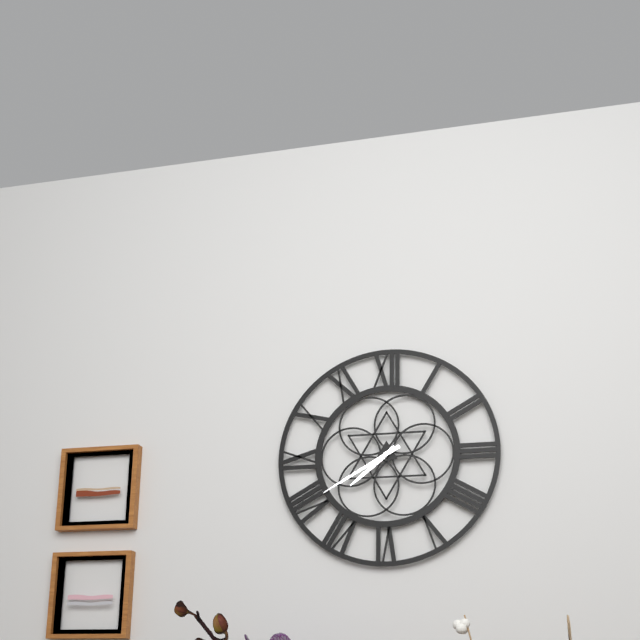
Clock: 7 h 40 min
